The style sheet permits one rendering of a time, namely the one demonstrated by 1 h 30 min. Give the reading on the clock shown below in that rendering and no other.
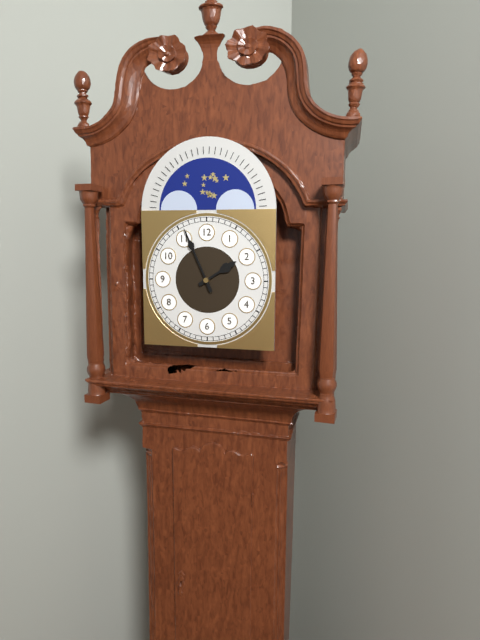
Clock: 1 h 56 min
